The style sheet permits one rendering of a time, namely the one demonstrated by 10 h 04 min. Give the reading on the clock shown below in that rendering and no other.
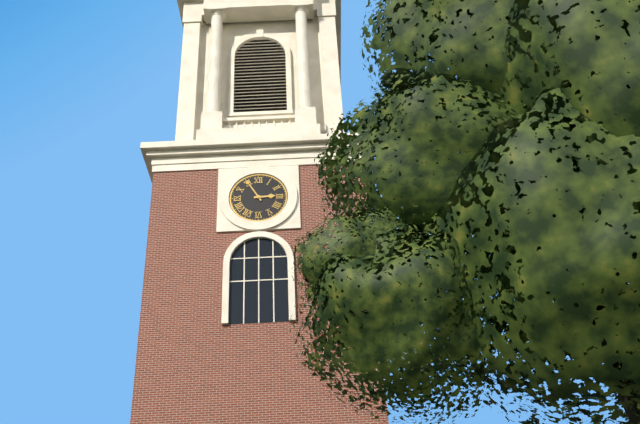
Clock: 2 h 55 min
